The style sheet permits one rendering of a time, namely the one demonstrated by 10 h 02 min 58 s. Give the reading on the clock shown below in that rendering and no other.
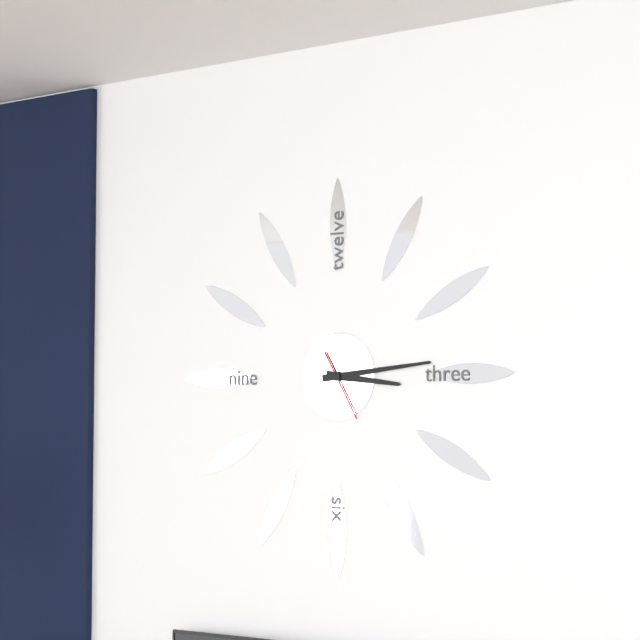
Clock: 3 h 14 min 25 s
